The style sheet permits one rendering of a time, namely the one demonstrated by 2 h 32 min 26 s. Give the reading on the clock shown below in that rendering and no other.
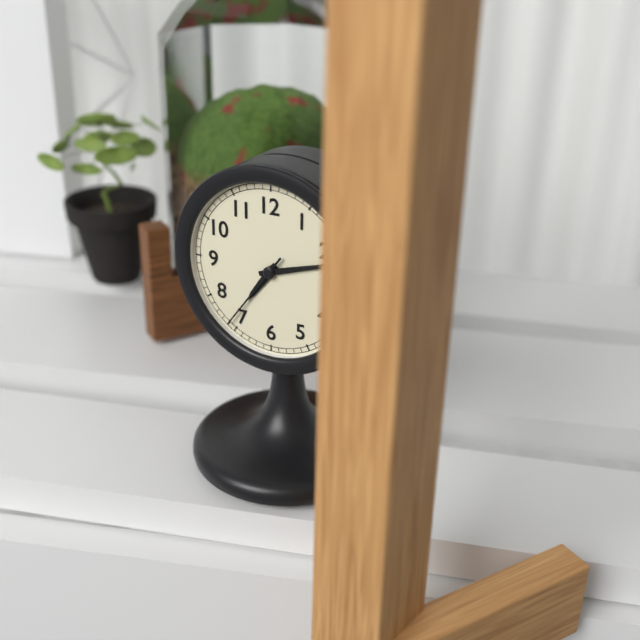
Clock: 7 h 12 min 36 s
